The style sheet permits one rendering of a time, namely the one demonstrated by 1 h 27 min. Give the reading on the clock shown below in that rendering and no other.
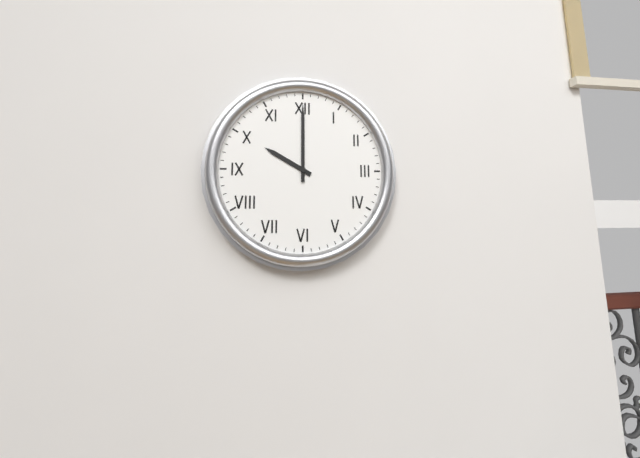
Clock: 10 h 00 min
